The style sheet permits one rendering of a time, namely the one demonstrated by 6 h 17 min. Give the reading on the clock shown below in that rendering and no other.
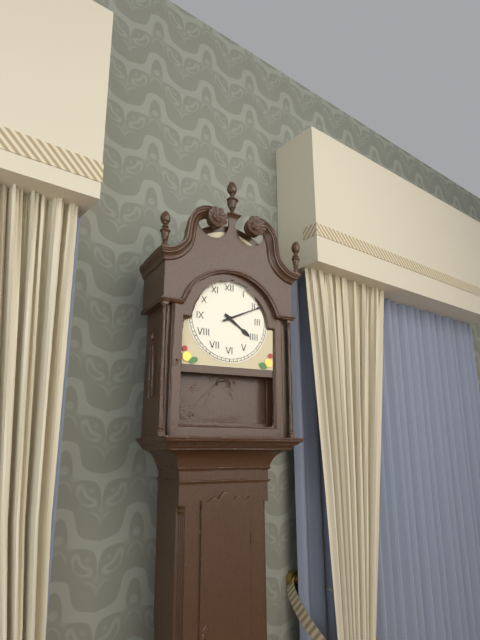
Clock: 4 h 11 min
